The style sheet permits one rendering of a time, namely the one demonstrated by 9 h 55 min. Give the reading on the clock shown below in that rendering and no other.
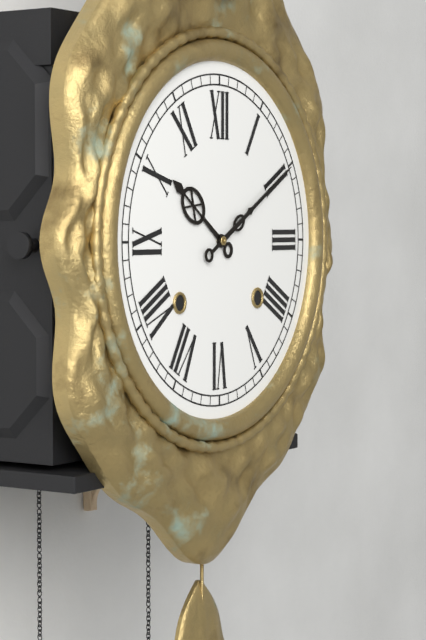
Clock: 10 h 10 min
